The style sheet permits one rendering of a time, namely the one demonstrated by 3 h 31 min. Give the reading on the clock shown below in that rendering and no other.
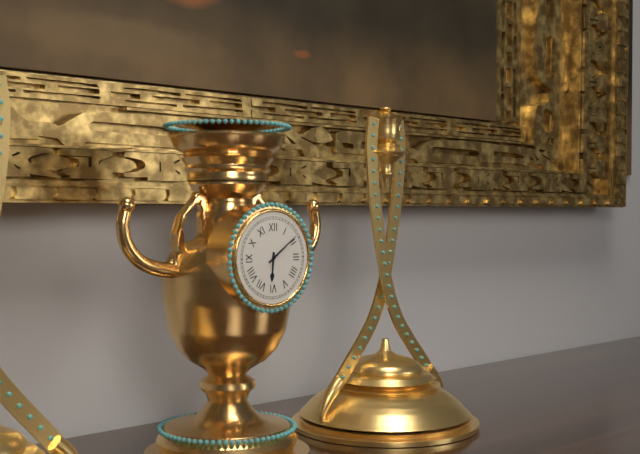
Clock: 6 h 09 min
